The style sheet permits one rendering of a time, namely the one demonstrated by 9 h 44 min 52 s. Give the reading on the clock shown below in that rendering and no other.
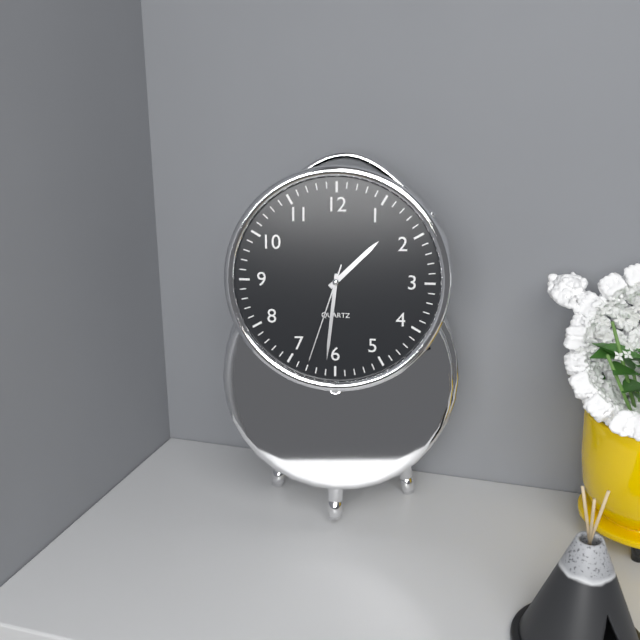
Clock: 1 h 31 min 33 s
